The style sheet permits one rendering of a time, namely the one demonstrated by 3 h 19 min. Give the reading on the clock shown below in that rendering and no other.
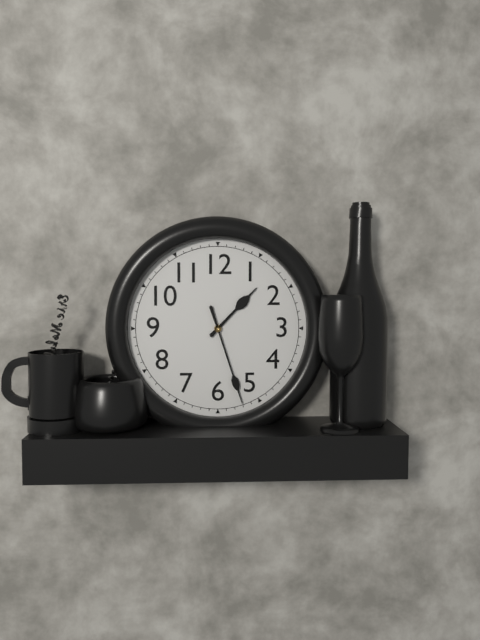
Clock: 1 h 27 min
